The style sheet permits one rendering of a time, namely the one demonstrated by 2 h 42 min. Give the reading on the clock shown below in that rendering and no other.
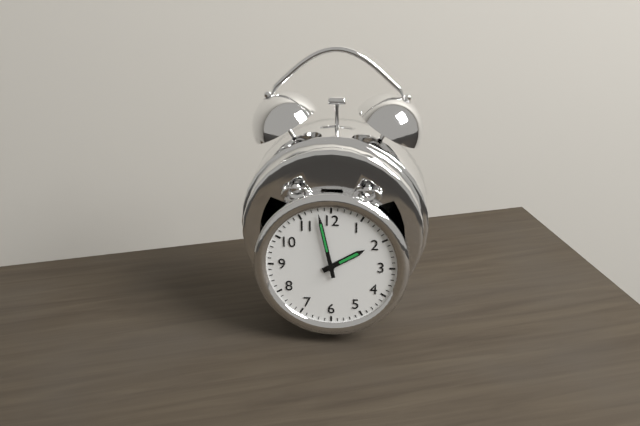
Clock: 1 h 58 min
